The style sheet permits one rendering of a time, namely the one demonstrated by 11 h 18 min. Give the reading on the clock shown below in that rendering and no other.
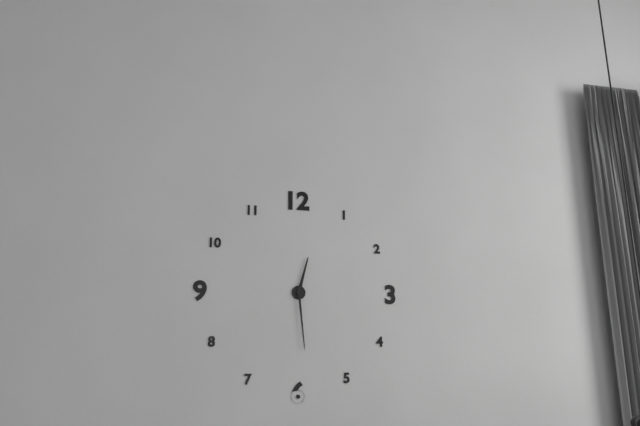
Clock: 12 h 29 min
